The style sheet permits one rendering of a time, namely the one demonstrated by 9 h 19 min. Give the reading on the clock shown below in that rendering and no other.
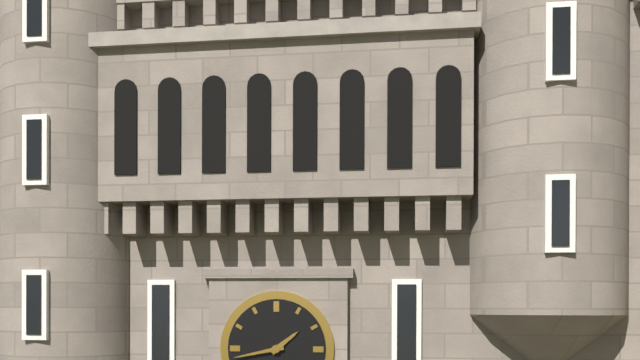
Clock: 1 h 43 min
